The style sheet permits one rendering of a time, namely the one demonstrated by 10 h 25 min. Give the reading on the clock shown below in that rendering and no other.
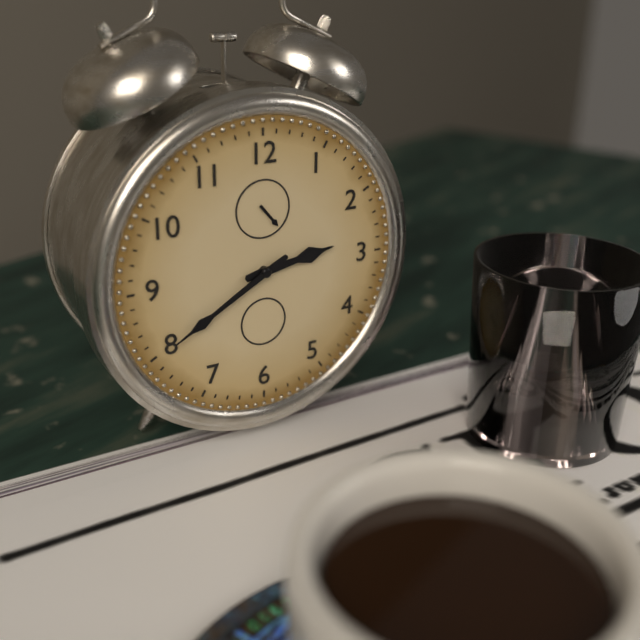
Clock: 2 h 40 min
